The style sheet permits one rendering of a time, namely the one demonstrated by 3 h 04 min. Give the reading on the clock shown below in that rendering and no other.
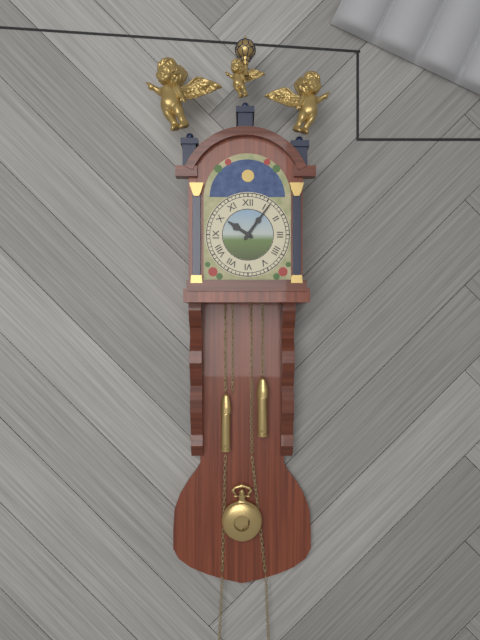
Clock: 10 h 06 min
